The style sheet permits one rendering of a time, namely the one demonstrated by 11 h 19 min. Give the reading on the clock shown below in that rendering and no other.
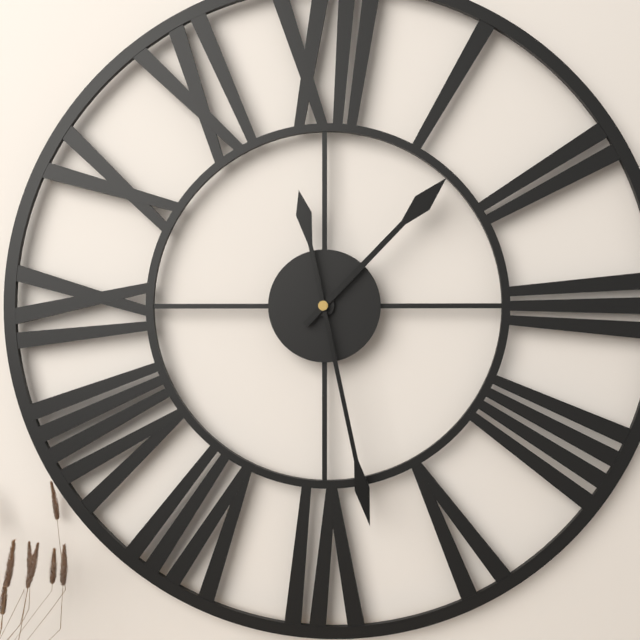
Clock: 1 h 28 min
